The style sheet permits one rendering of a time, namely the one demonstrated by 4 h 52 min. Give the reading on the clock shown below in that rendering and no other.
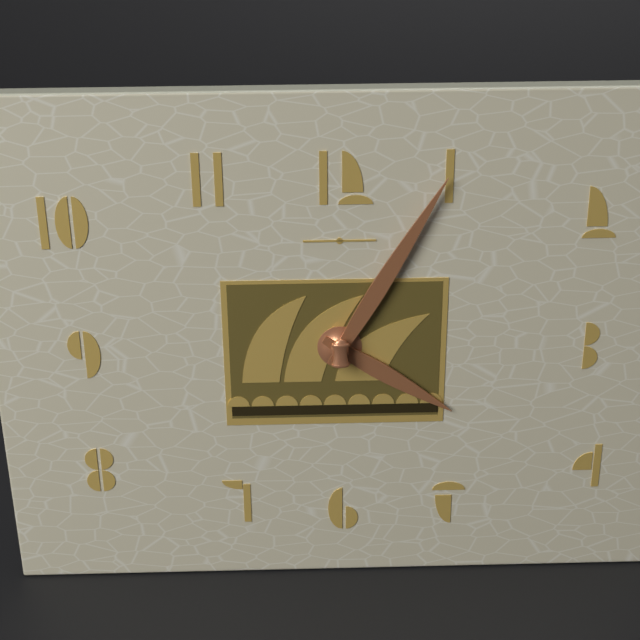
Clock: 4 h 05 min
